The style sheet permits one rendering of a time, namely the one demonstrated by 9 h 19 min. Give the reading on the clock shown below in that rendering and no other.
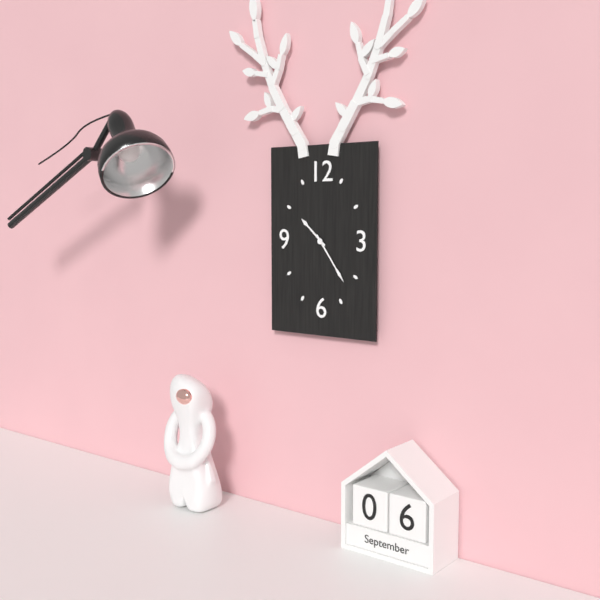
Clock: 10 h 24 min
